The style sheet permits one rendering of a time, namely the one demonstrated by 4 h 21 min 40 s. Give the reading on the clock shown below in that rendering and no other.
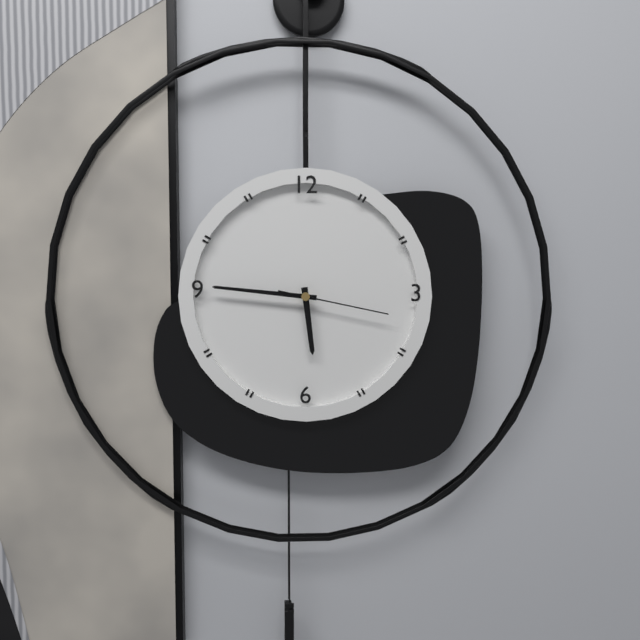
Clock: 5 h 46 min 17 s
